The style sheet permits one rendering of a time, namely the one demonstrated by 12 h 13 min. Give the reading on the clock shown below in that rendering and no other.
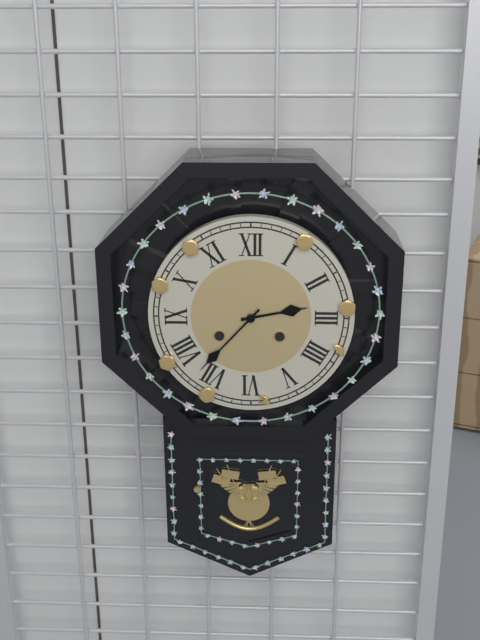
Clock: 2 h 37 min
